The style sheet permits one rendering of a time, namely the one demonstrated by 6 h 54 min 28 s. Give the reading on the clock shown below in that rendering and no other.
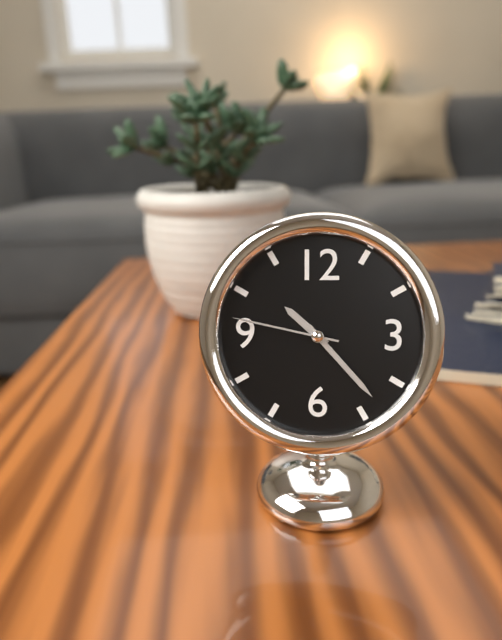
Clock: 10 h 23 min 47 s
